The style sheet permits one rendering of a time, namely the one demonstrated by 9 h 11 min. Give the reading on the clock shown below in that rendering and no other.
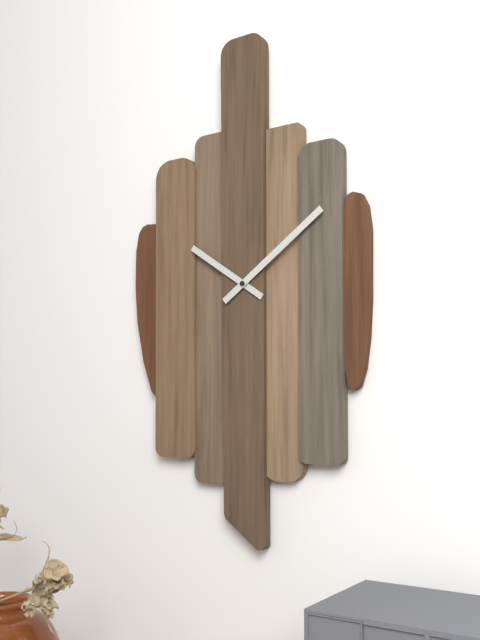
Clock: 10 h 09 min
